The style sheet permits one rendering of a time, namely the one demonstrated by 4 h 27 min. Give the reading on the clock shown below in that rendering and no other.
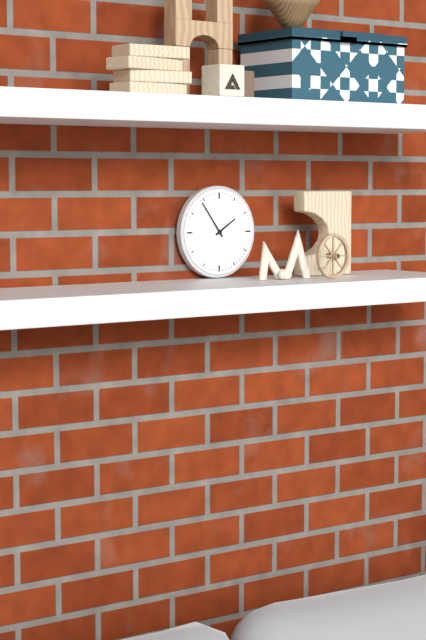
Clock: 1 h 54 min
